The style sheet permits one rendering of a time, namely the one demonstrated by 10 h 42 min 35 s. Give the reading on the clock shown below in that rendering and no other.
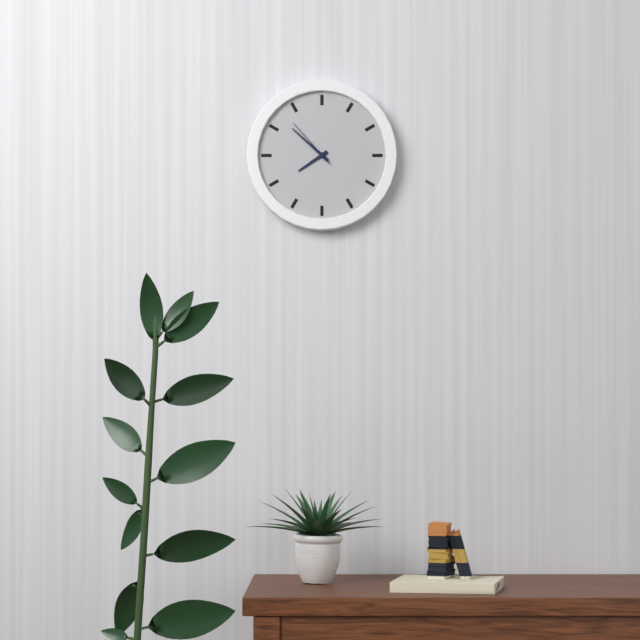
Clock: 7 h 52 min 53 s
